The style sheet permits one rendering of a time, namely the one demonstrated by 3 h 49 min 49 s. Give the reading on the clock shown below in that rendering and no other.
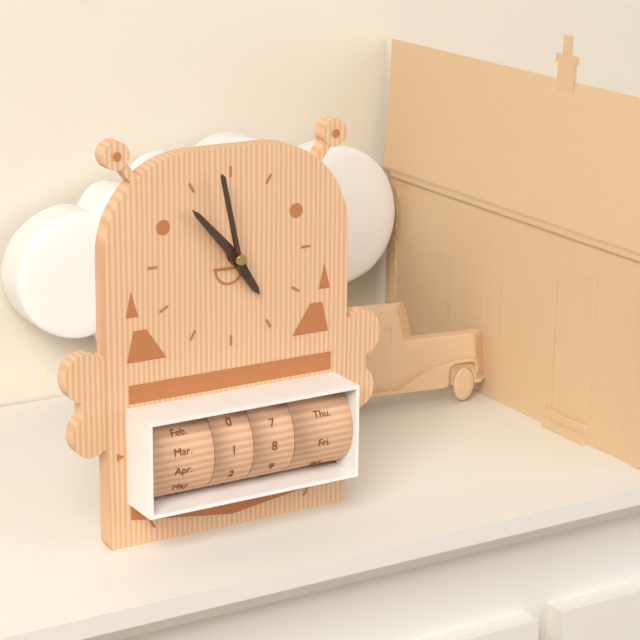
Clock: 4 h 53 min 58 s
